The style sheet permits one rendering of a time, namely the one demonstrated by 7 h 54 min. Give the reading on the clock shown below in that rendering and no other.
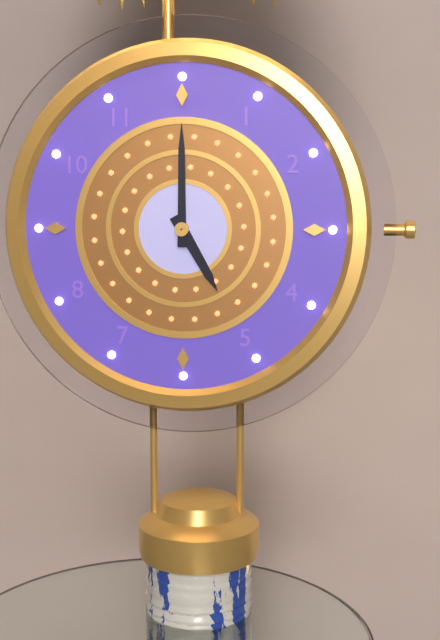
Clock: 5 h 00 min
